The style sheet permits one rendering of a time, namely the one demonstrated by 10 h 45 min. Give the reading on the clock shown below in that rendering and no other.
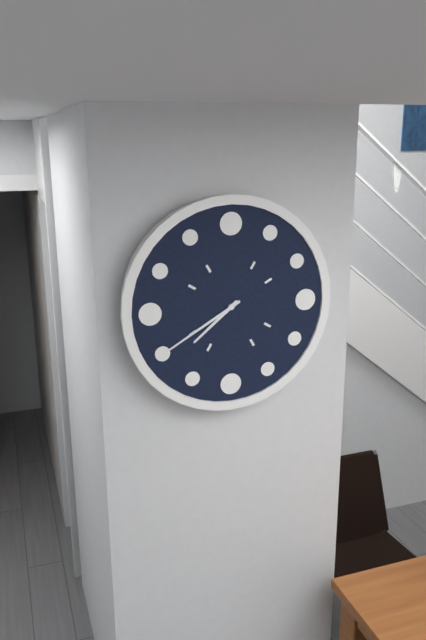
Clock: 7 h 40 min
